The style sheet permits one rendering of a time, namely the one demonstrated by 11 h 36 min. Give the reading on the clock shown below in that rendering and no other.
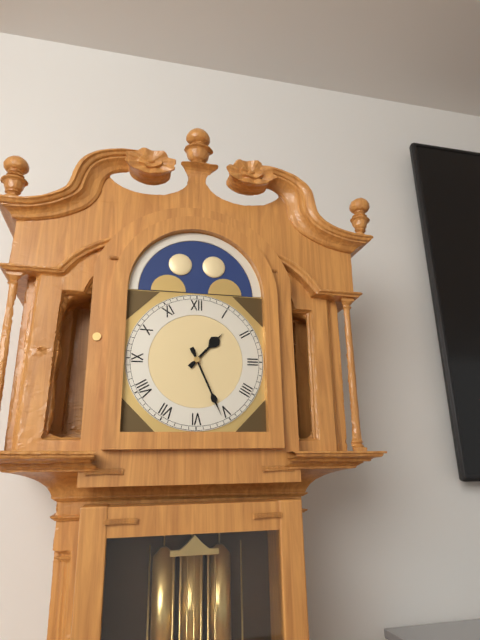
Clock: 1 h 26 min
